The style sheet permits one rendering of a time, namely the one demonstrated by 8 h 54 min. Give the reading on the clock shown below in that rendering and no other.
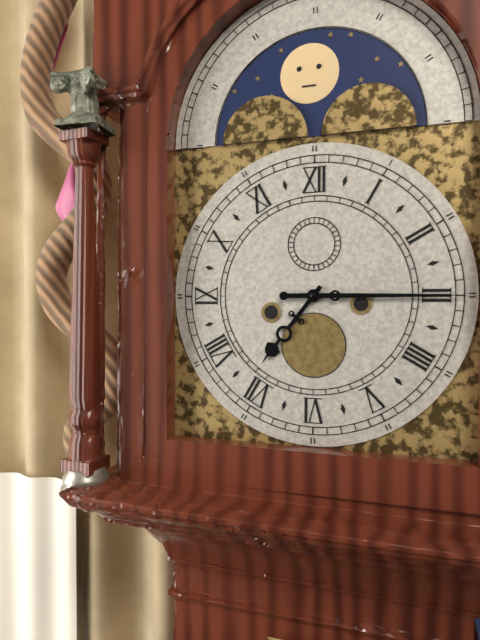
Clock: 7 h 15 min
